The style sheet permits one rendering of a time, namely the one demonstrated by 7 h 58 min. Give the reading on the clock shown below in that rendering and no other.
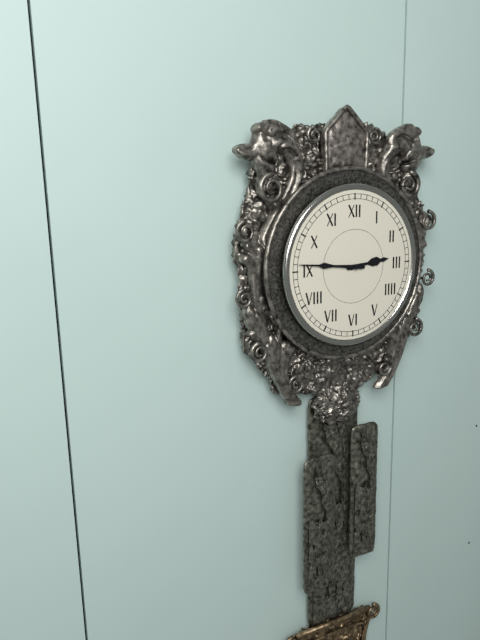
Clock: 2 h 46 min
